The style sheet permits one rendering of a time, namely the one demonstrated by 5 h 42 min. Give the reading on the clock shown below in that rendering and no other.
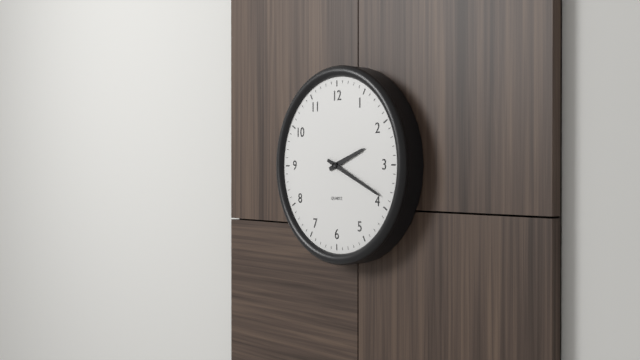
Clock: 2 h 19 min
